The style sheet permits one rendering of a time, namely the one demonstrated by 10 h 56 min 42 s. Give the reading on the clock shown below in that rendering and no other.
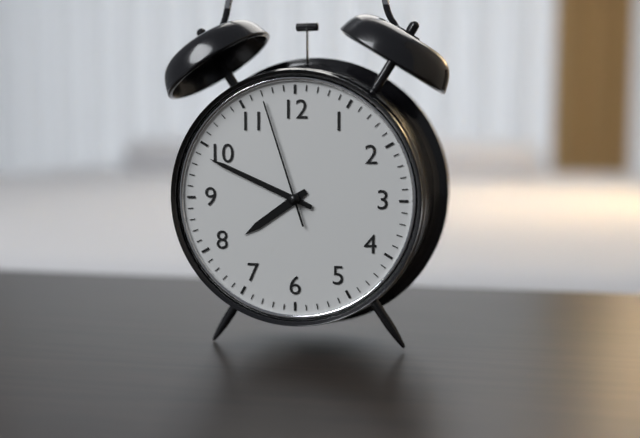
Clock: 7 h 49 min 57 s
